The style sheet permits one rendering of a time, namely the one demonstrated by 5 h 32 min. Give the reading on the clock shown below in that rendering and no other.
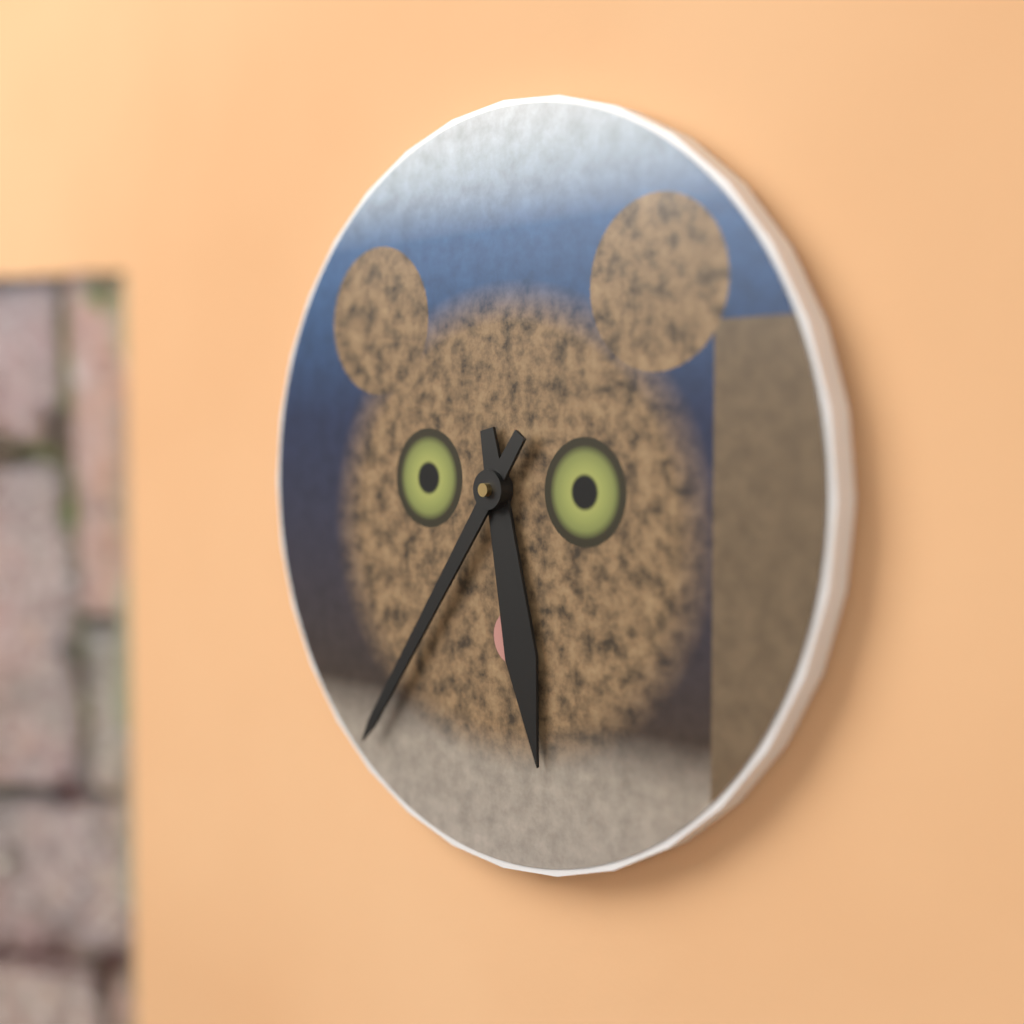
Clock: 5 h 36 min
